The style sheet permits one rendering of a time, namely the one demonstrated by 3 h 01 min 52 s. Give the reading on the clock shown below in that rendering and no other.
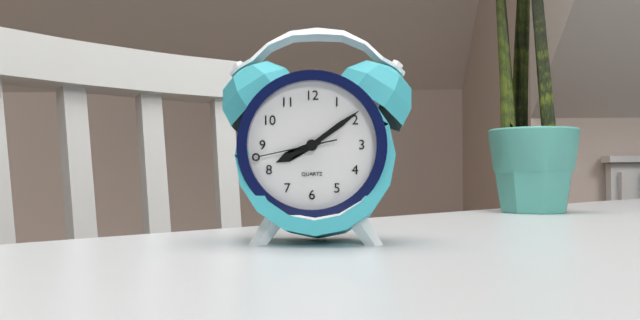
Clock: 8 h 09 min 43 s
